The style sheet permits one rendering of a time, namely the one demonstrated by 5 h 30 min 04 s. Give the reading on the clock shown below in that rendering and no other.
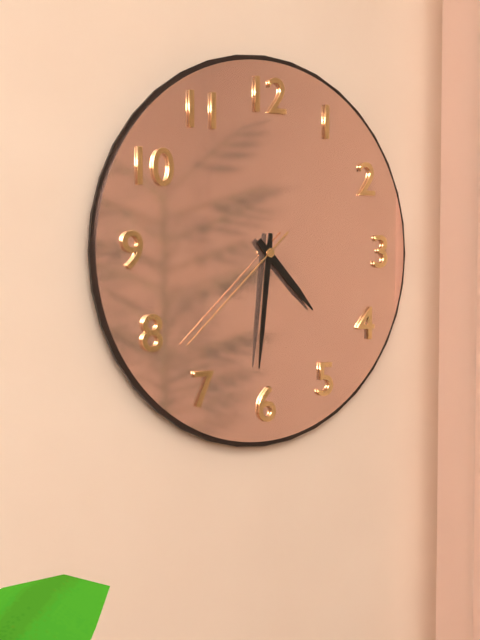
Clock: 4 h 31 min 38 s
